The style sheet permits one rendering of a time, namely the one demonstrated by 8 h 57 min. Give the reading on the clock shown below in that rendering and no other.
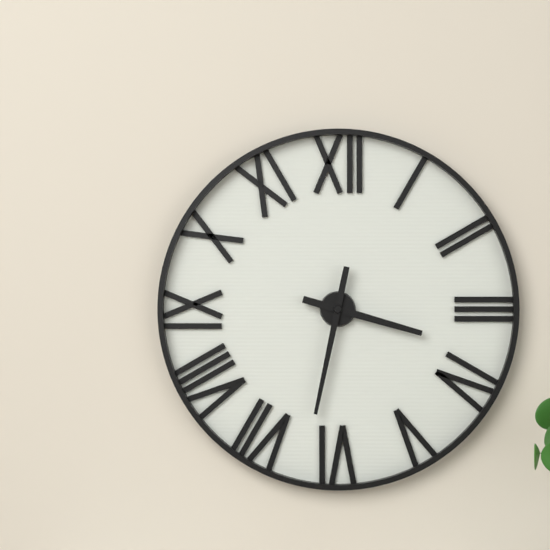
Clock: 3 h 32 min
